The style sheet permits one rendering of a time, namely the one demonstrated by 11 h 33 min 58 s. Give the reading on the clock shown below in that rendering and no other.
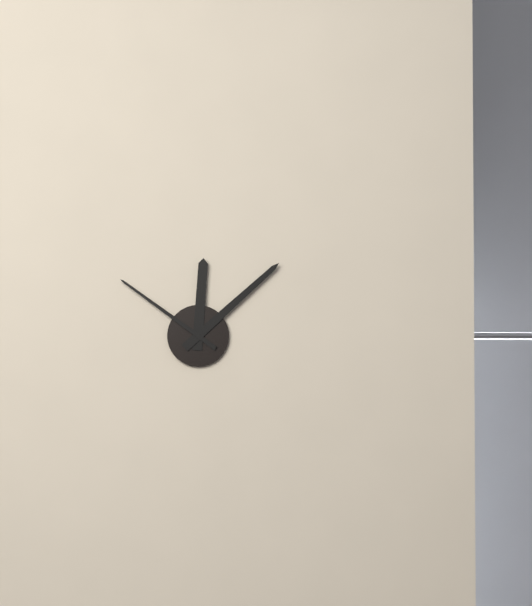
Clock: 12 h 08 min 51 s
